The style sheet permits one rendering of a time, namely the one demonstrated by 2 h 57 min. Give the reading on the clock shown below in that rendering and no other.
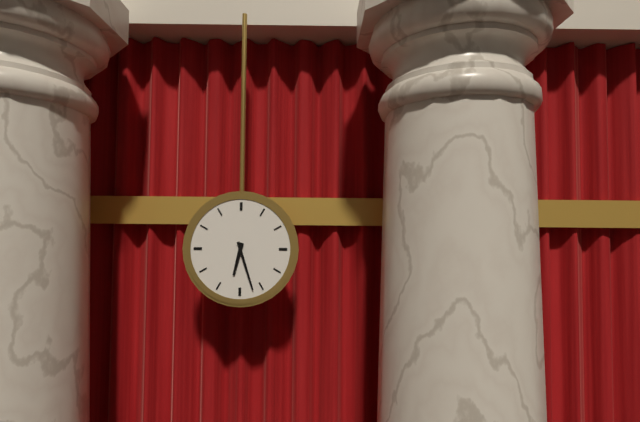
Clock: 6 h 27 min
